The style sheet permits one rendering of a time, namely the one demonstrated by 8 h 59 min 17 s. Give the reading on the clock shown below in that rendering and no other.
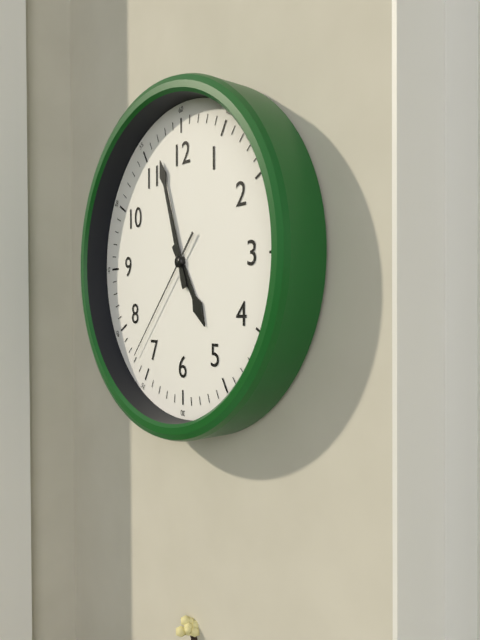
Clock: 4 h 57 min 37 s
